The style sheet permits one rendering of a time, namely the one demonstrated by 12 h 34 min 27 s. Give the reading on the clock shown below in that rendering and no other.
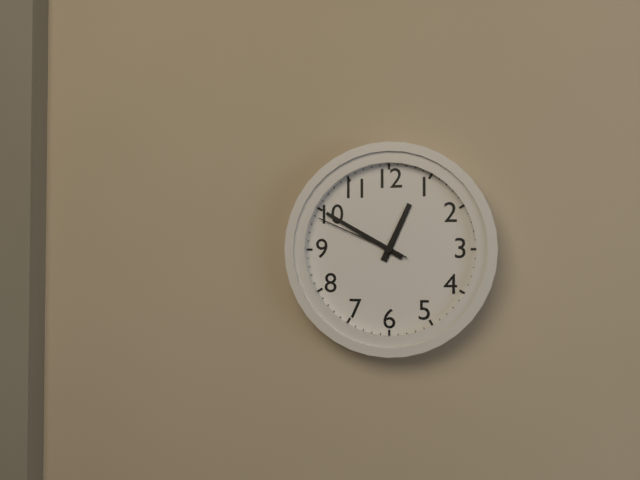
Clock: 12 h 50 min 49 s
